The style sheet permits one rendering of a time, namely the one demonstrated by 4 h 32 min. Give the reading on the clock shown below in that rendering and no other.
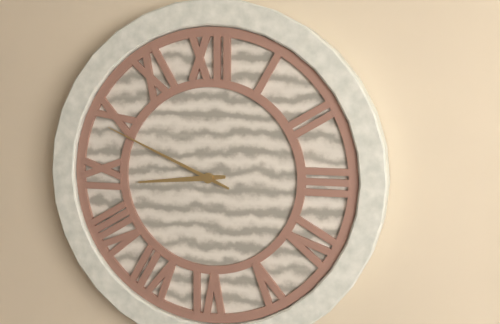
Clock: 8 h 49 min
